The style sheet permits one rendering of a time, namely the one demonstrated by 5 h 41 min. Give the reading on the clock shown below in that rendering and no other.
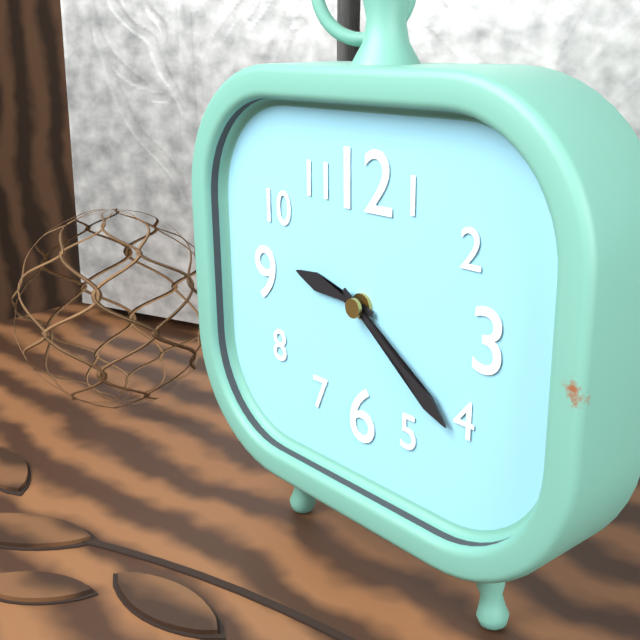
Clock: 9 h 21 min
